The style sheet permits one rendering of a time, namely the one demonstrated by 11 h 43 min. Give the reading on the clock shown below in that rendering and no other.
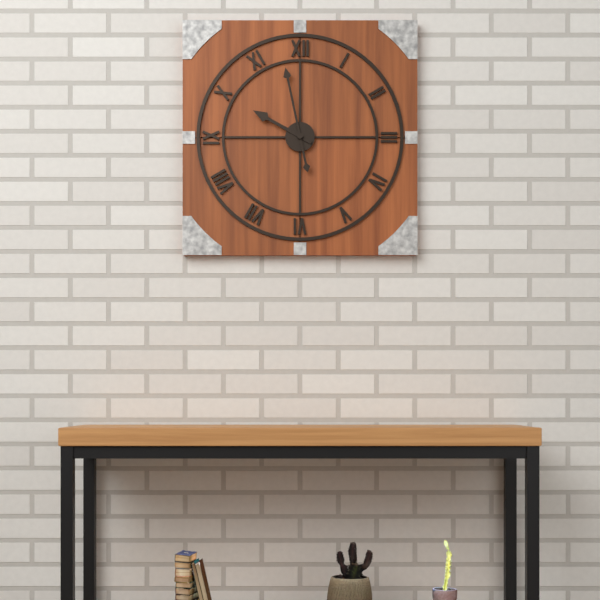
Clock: 9 h 58 min
